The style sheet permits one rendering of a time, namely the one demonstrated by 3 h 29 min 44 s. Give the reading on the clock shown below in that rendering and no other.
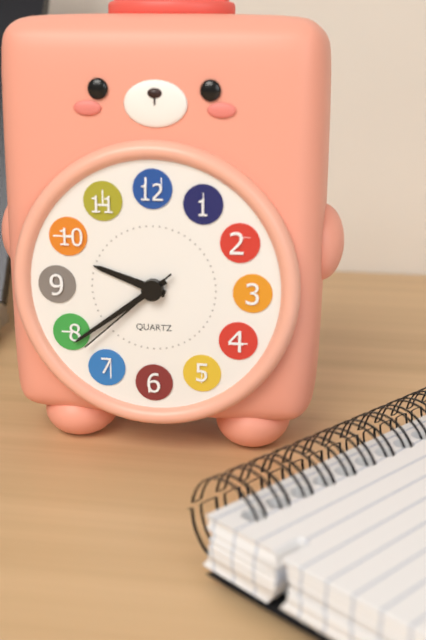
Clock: 9 h 39 min 38 s
